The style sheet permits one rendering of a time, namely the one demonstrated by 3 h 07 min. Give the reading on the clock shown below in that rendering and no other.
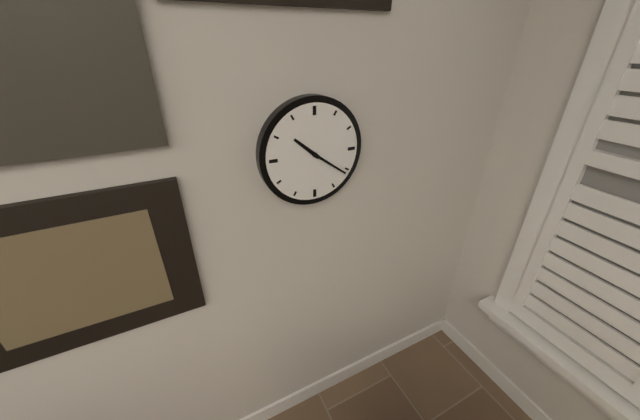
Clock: 10 h 21 min
